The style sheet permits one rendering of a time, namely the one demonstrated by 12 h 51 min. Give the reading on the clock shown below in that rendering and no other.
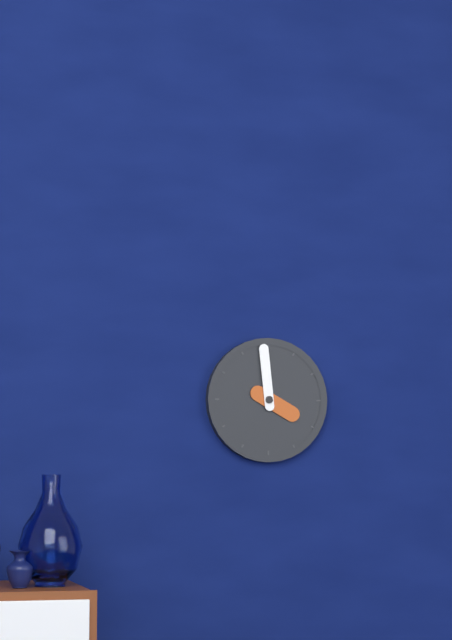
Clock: 3 h 59 min
